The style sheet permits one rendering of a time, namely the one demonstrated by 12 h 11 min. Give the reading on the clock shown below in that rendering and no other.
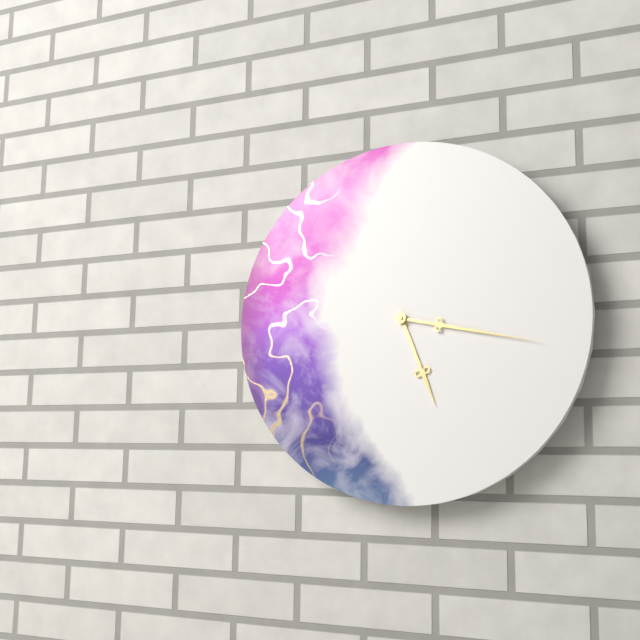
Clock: 5 h 17 min
